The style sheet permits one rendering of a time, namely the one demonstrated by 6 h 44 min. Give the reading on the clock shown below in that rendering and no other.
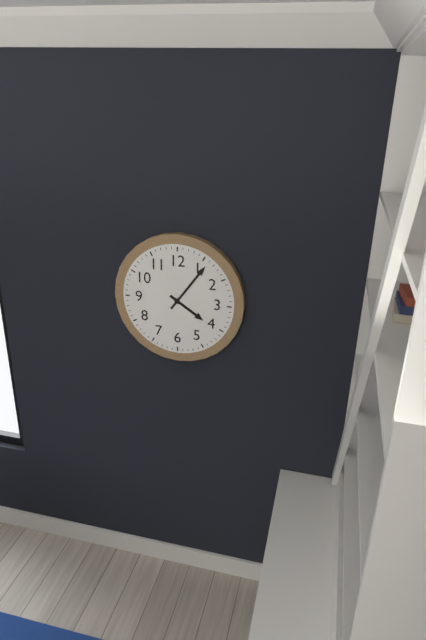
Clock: 4 h 06 min
